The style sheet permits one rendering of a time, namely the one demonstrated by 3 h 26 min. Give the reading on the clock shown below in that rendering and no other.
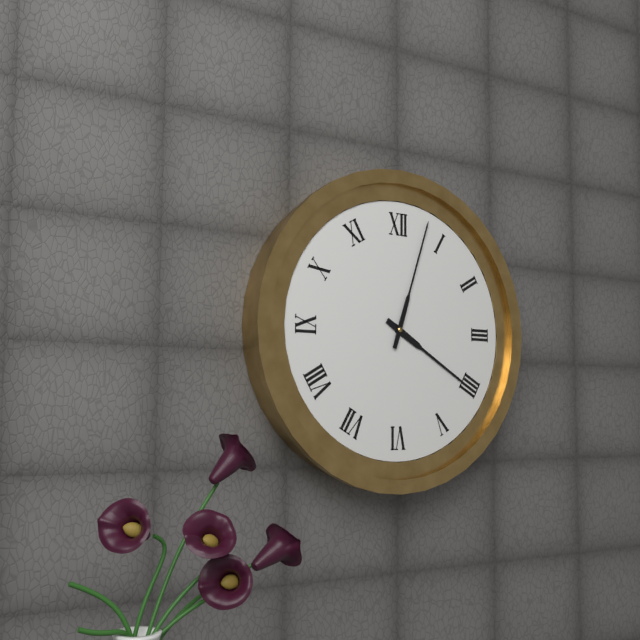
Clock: 4 h 03 min
